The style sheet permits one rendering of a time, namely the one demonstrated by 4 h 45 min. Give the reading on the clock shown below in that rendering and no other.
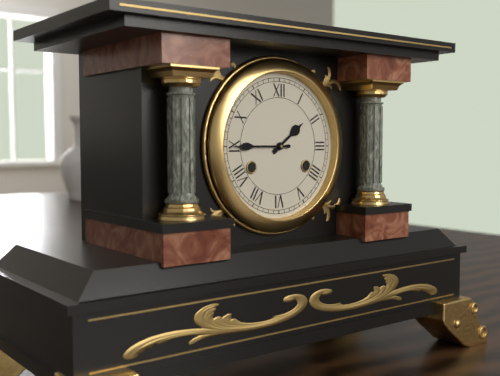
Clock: 1 h 45 min
